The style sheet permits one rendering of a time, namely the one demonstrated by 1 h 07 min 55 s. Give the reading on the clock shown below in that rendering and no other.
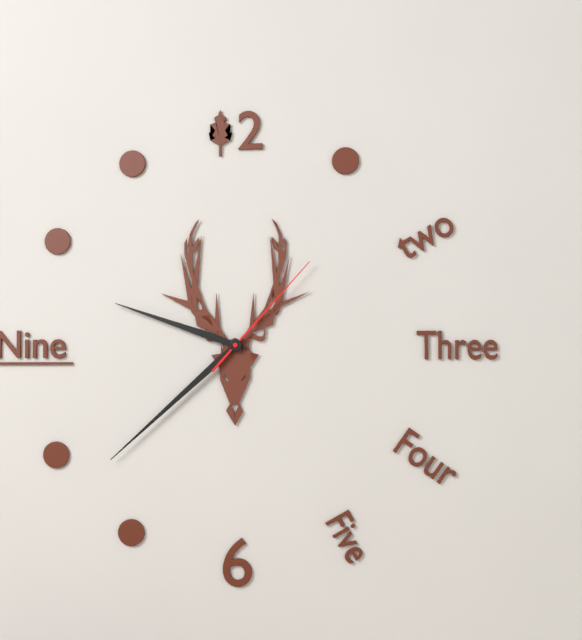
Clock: 9 h 38 min 07 s
